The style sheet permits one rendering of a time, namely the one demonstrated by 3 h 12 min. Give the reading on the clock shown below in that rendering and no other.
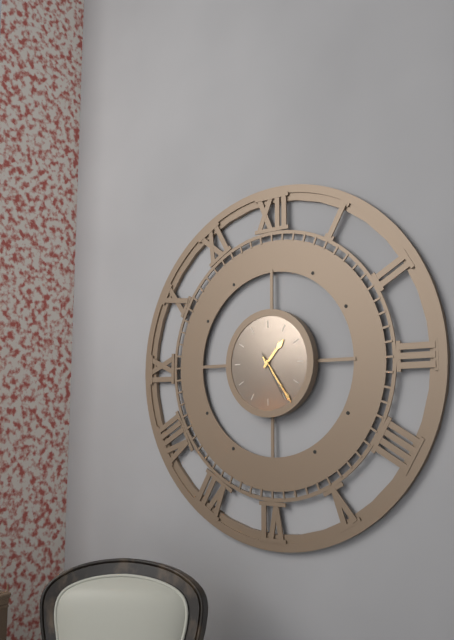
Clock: 1 h 24 min
